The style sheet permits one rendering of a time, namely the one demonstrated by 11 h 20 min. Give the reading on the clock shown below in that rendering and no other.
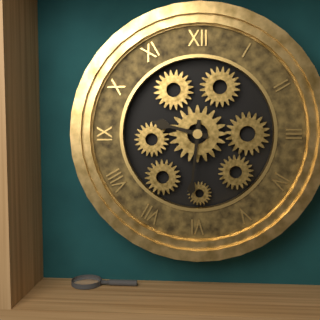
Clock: 9 h 31 min
